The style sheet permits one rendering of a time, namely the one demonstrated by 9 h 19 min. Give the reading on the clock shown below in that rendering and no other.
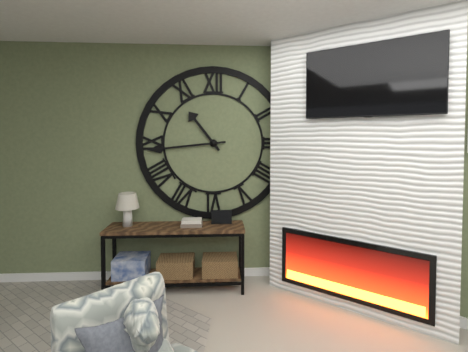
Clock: 10 h 44 min
